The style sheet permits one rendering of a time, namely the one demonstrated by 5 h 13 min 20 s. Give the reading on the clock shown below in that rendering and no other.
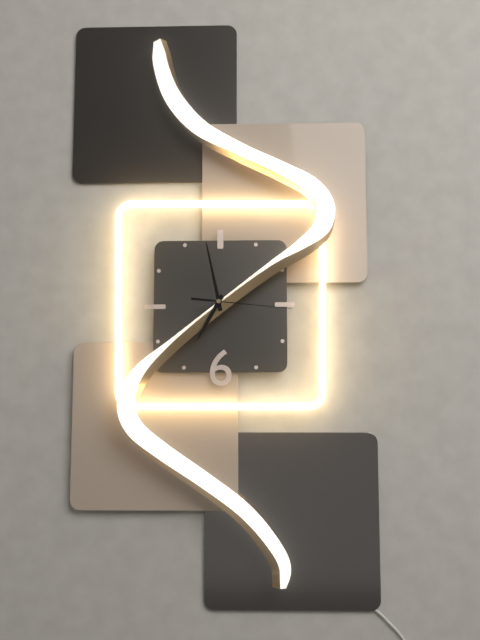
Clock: 6 h 58 min 16 s
